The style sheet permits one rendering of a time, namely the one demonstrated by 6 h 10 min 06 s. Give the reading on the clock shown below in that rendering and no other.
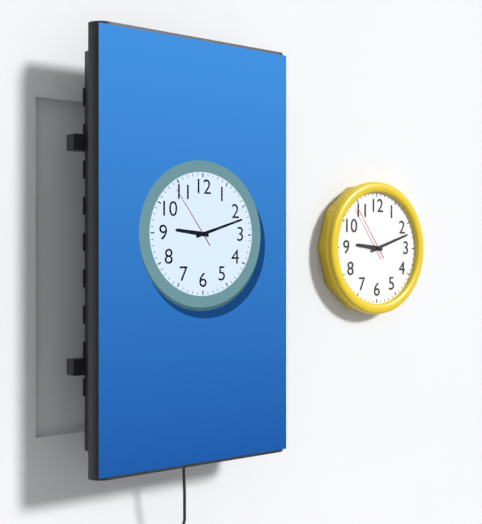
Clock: 9 h 12 min 54 s
